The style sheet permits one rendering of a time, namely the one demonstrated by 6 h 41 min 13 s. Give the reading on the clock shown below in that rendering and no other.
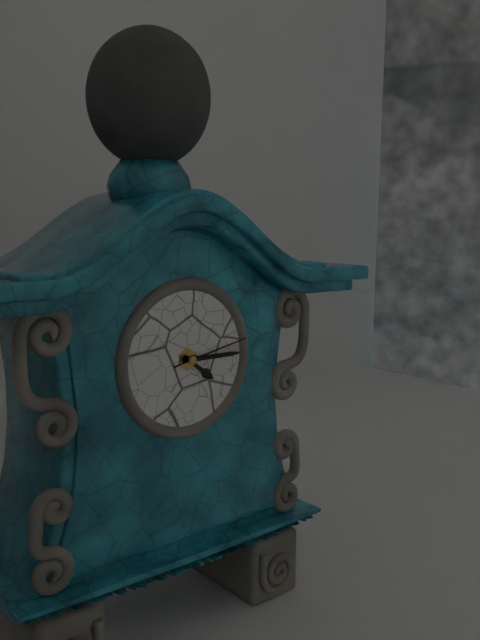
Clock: 4 h 15 min 13 s
